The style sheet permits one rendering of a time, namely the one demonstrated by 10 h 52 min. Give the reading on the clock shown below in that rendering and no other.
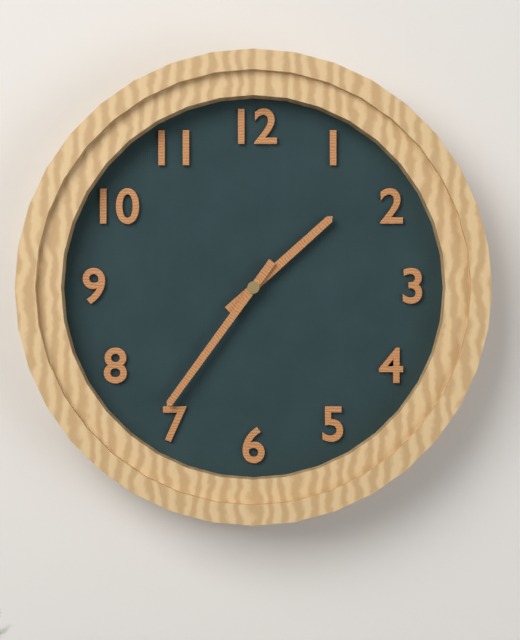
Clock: 1 h 36 min
